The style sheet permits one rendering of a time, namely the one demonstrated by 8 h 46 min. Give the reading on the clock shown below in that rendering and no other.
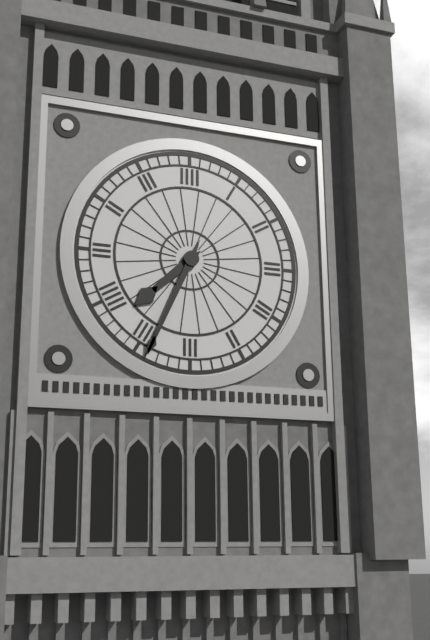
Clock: 7 h 34 min
